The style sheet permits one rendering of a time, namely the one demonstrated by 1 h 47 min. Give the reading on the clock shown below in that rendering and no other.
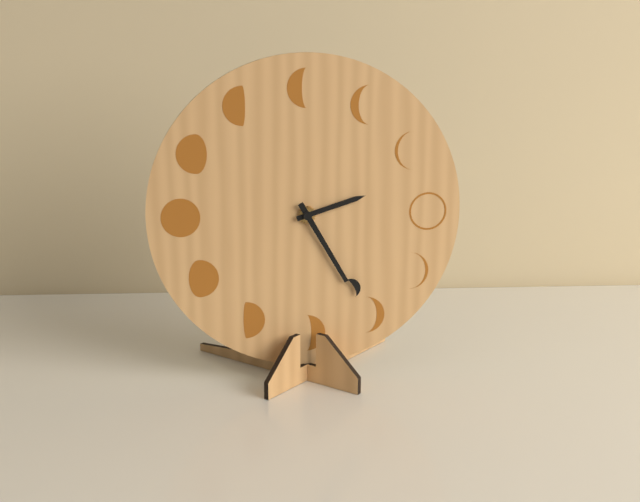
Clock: 2 h 25 min
